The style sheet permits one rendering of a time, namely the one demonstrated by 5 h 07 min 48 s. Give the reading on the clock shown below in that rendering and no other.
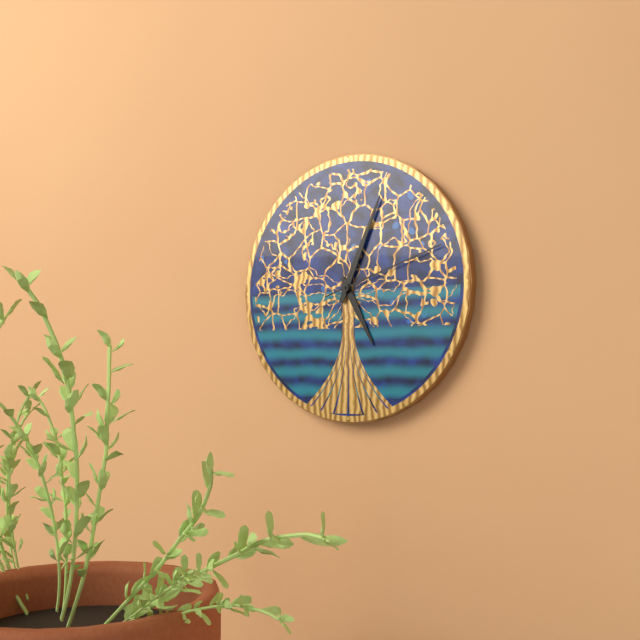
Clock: 5 h 04 min 12 s
